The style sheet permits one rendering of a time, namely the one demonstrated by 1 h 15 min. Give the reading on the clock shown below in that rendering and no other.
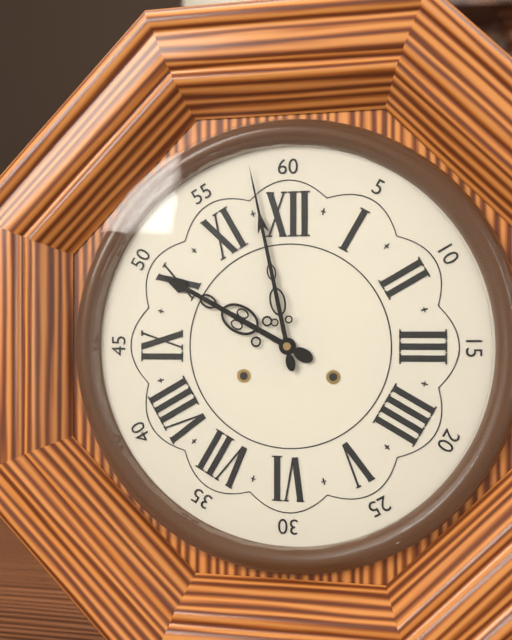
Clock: 9 h 58 min
